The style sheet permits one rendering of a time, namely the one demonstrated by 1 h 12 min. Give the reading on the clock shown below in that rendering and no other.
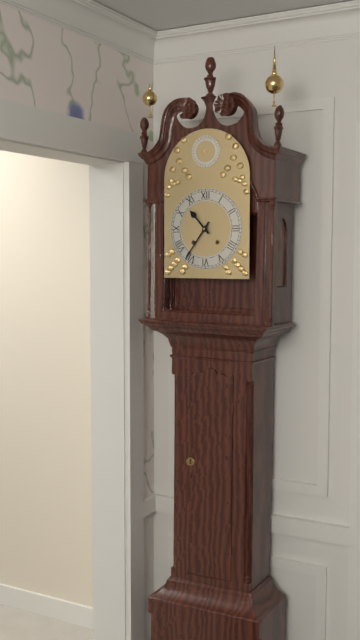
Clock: 10 h 36 min
